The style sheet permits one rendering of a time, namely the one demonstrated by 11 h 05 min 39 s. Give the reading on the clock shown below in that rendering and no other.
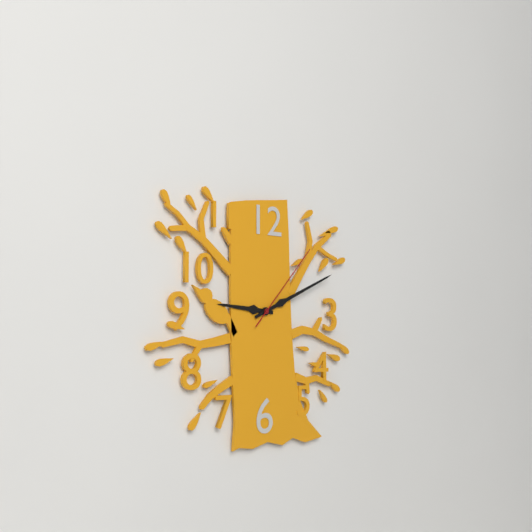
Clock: 9 h 11 min 07 s
